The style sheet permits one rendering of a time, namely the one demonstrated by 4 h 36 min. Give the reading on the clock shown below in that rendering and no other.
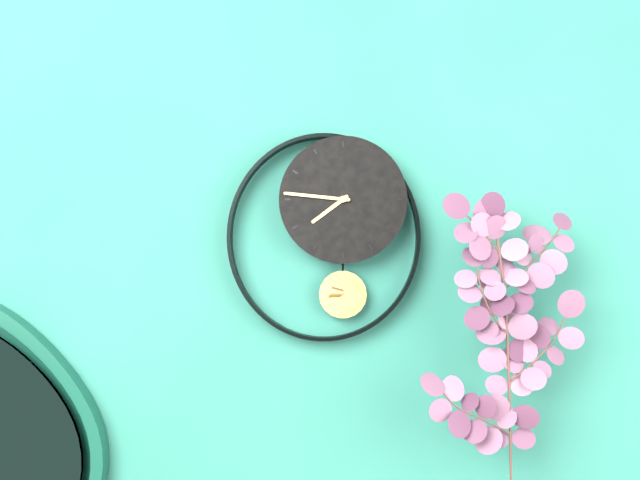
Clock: 7 h 46 min
